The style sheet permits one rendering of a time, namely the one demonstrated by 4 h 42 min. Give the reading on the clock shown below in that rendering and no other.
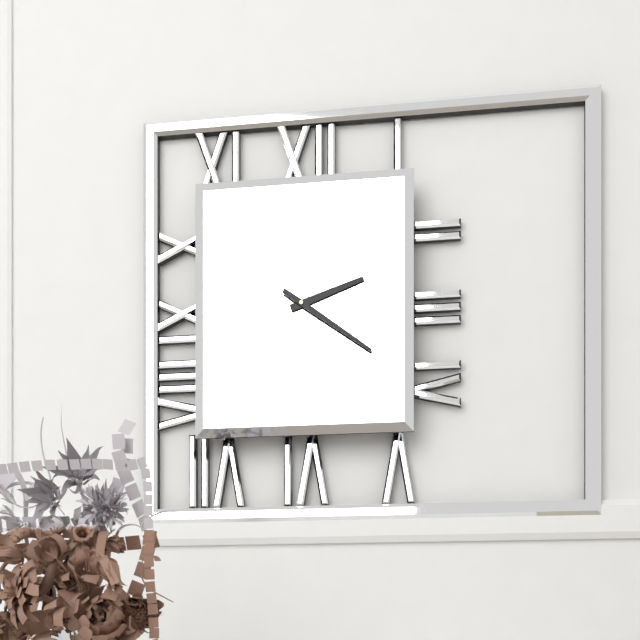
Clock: 2 h 21 min
